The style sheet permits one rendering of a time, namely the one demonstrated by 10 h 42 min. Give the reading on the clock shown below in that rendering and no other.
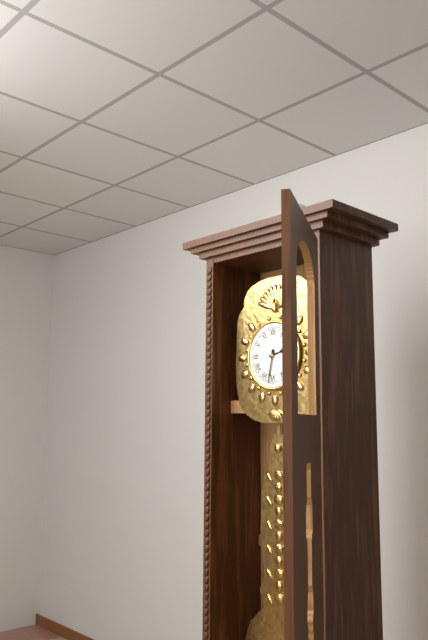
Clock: 2 h 32 min
